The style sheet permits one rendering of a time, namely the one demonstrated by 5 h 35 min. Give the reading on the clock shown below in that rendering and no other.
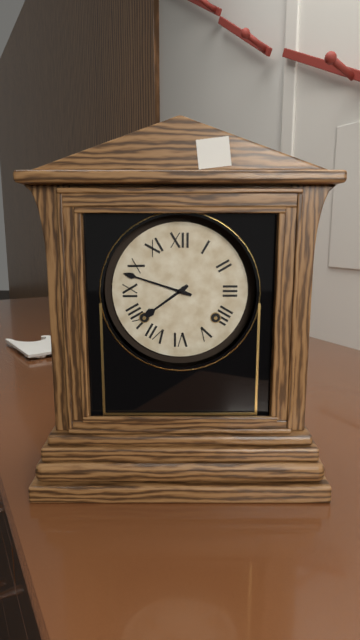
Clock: 7 h 48 min
